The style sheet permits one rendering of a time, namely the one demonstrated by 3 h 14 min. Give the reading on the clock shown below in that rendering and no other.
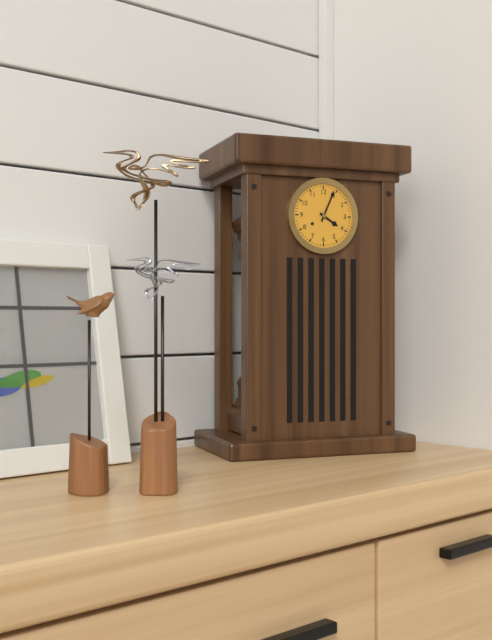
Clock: 4 h 04 min
